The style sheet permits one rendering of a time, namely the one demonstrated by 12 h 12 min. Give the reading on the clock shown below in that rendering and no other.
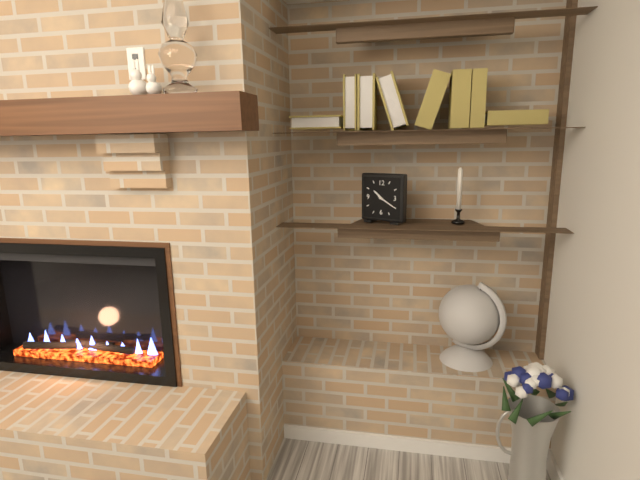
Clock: 10 h 20 min
